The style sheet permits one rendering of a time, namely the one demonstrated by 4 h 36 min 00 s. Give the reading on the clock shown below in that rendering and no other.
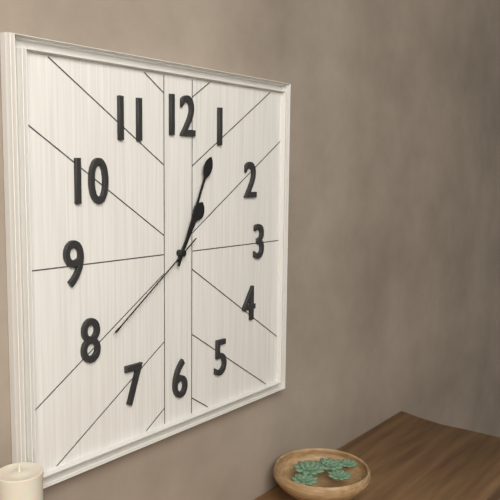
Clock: 1 h 04 min 39 s
